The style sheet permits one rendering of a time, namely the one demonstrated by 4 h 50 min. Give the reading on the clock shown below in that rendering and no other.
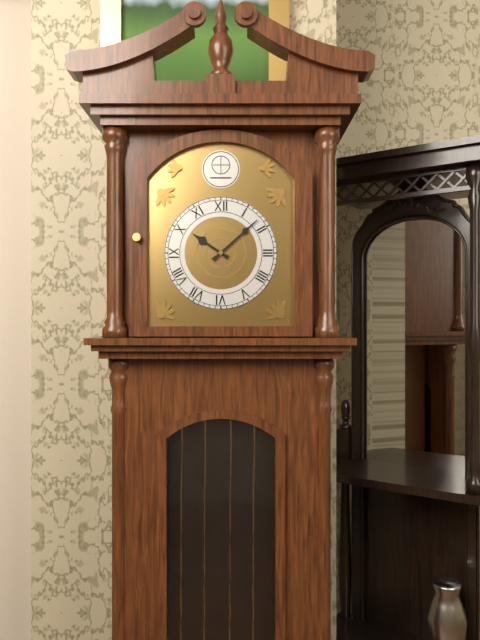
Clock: 10 h 08 min
